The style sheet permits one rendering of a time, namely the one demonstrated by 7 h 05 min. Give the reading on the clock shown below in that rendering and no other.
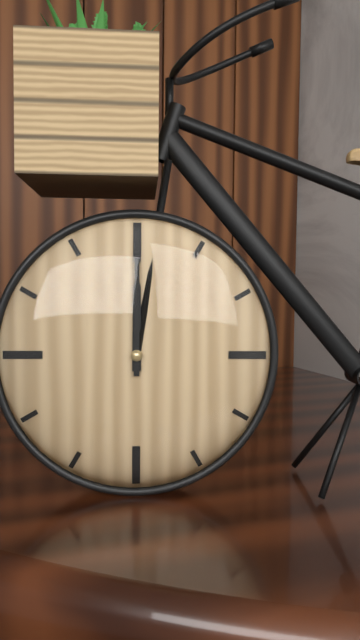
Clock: 12 h 00 min
